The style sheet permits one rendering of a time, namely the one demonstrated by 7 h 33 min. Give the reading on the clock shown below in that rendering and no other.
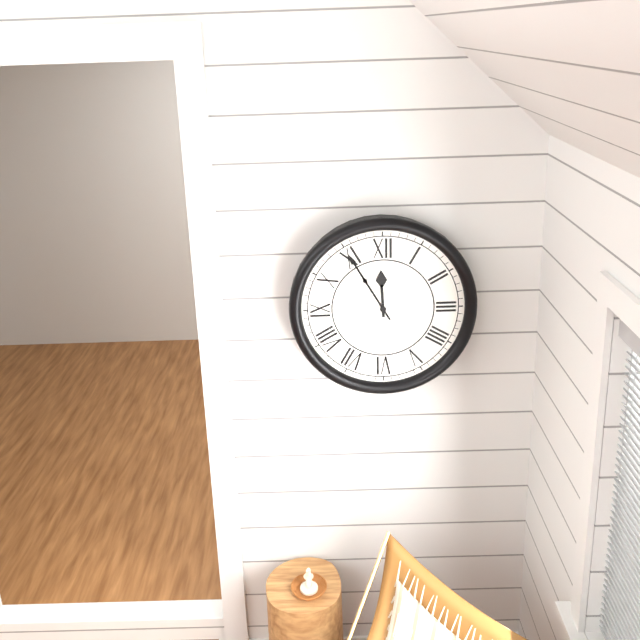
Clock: 11 h 55 min
